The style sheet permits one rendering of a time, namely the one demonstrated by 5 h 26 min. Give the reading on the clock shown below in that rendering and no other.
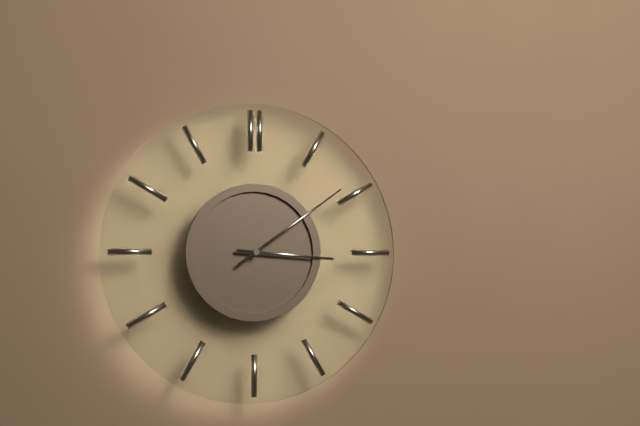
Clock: 3 h 09 min
